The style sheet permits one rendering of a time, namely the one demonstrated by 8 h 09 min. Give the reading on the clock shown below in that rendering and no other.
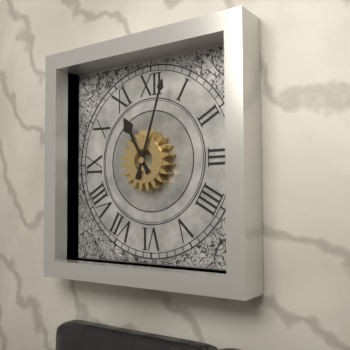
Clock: 11 h 03 min
